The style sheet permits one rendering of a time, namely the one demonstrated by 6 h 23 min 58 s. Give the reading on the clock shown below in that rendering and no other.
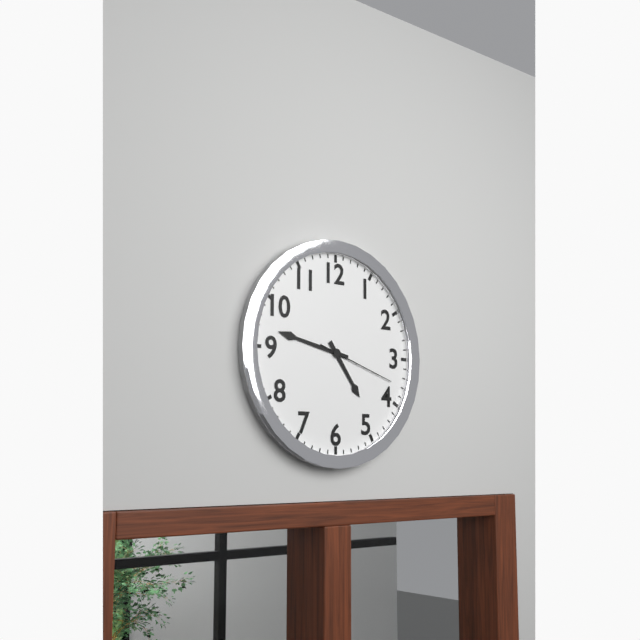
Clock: 4 h 47 min 18 s
